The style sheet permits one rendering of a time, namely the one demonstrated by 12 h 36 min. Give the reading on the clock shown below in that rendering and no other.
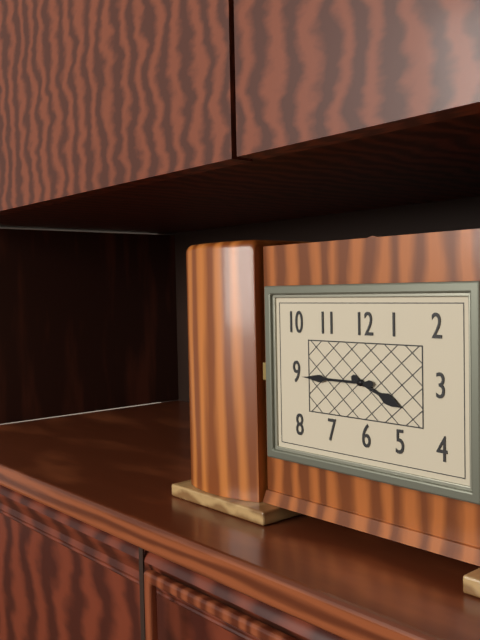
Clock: 3 h 45 min
